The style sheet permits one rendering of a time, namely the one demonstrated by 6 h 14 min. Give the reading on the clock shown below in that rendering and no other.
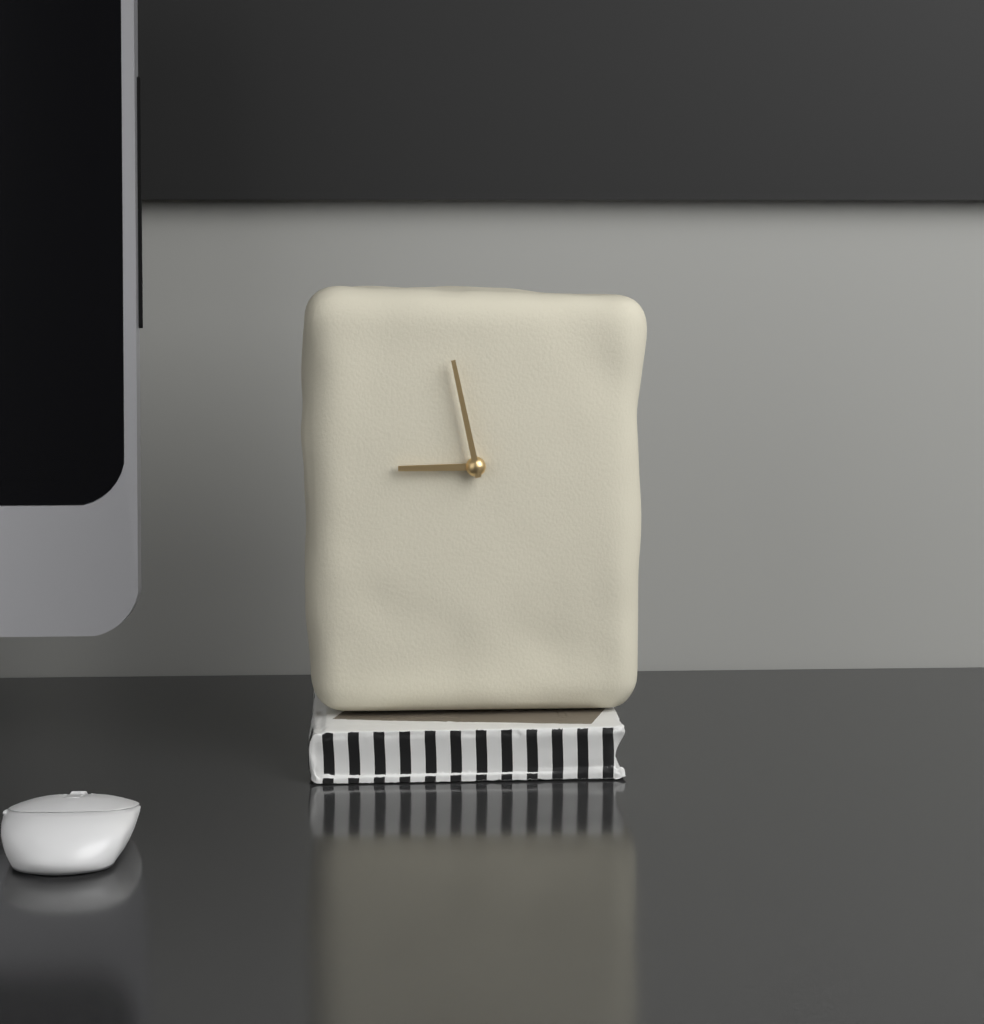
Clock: 8 h 58 min
